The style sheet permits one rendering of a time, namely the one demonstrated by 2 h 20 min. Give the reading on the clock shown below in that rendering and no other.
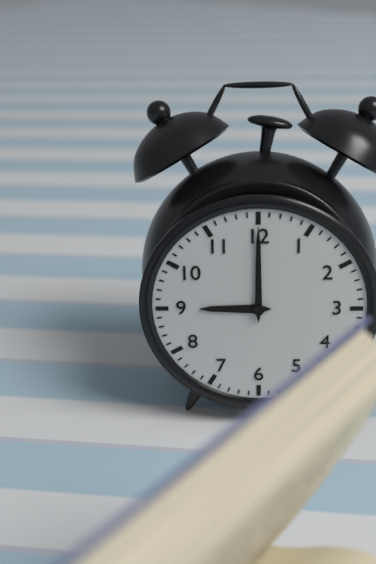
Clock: 9 h 00 min
